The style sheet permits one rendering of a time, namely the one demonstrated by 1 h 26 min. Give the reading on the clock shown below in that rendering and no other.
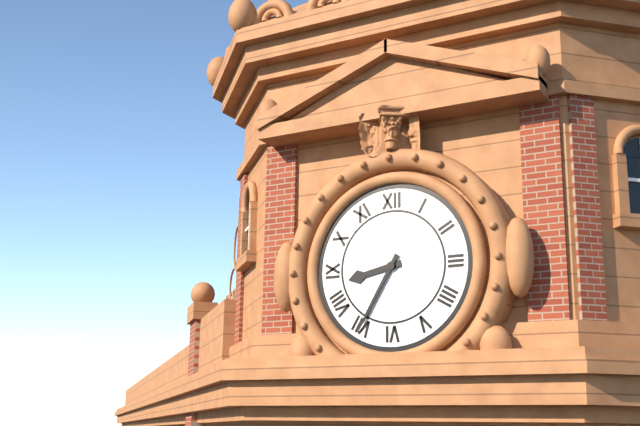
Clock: 8 h 35 min
